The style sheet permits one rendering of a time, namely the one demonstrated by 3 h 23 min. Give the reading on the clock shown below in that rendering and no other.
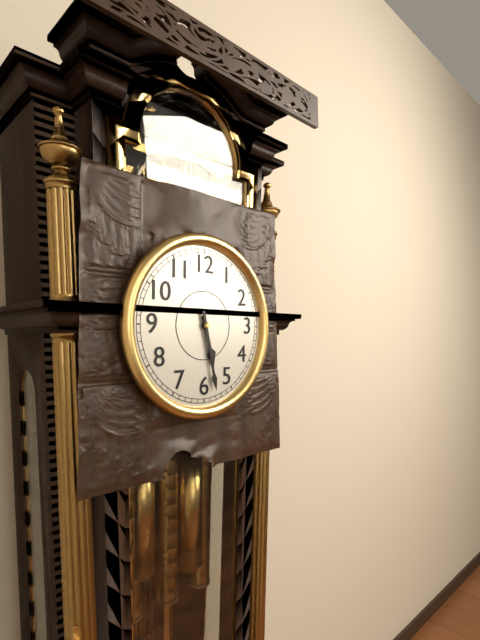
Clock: 5 h 28 min
